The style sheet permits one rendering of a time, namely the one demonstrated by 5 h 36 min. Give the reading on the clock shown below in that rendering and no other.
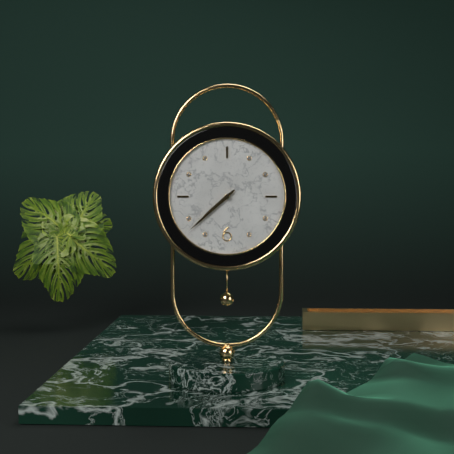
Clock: 7 h 38 min
